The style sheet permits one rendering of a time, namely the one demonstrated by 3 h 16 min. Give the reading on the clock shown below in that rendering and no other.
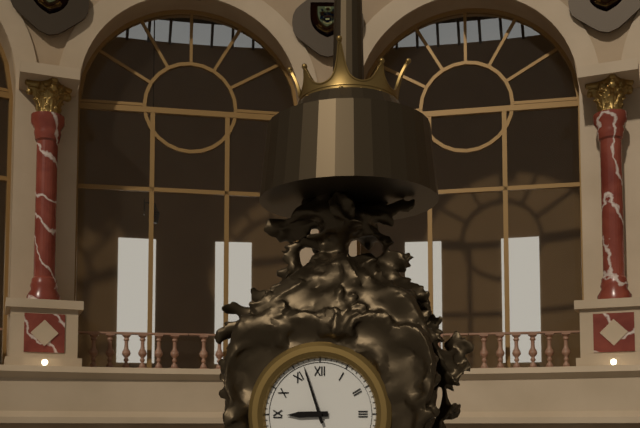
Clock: 8 h 57 min
